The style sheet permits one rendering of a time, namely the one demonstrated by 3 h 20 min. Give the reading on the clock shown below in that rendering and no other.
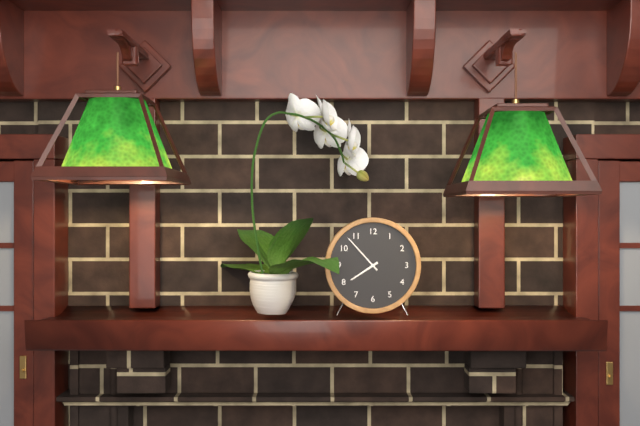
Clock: 7 h 53 min
